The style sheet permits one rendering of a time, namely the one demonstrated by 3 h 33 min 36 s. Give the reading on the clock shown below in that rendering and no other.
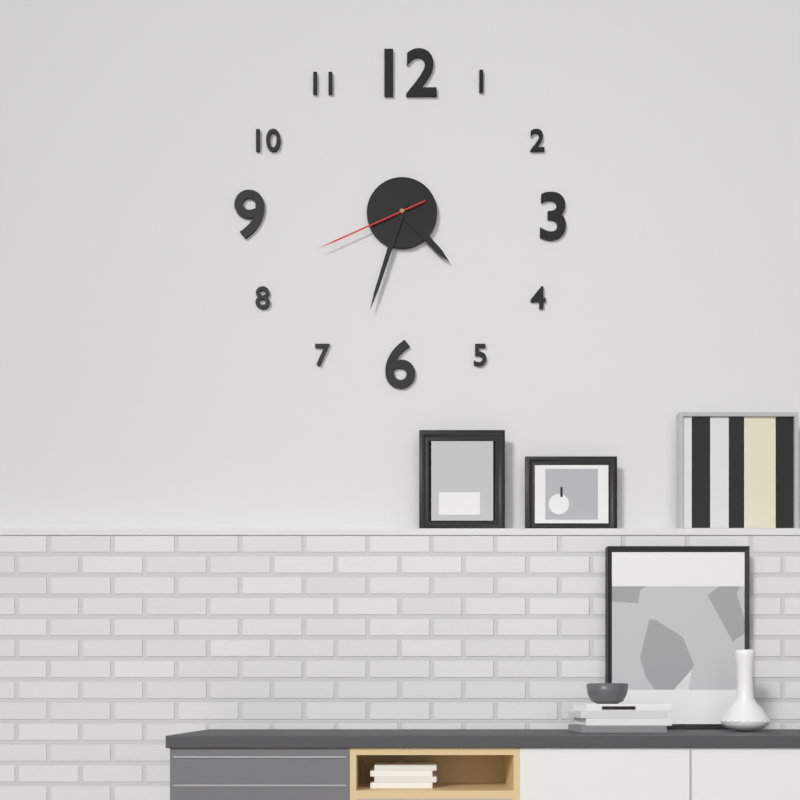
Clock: 4 h 33 min 41 s
